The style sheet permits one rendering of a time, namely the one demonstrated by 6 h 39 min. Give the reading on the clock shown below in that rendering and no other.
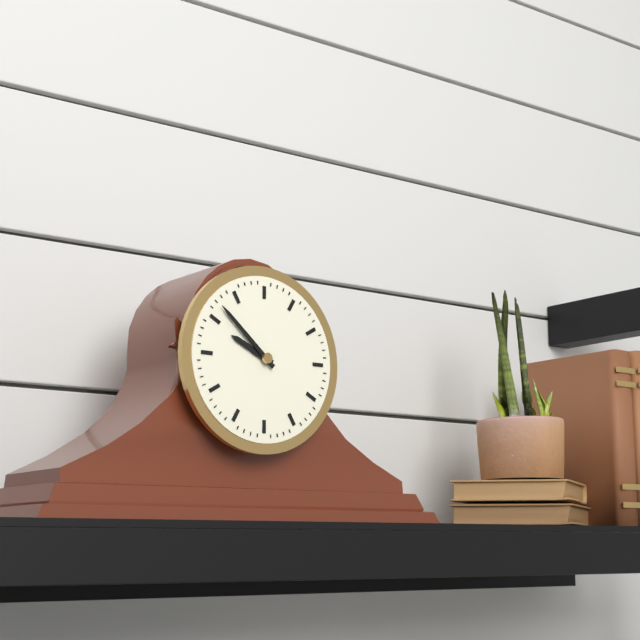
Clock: 9 h 52 min
